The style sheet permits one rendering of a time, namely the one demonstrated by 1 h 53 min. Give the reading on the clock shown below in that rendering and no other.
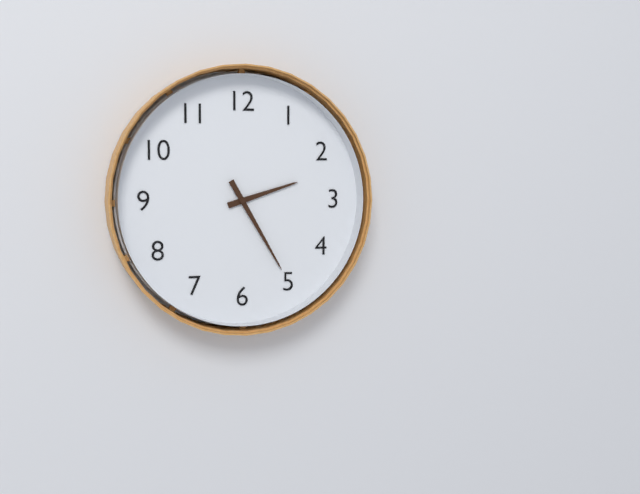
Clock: 2 h 25 min
